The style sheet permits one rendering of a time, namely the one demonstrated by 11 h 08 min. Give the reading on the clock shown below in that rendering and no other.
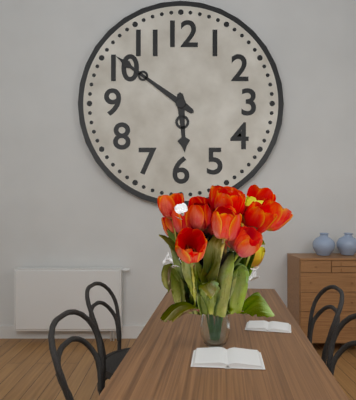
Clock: 5 h 51 min
